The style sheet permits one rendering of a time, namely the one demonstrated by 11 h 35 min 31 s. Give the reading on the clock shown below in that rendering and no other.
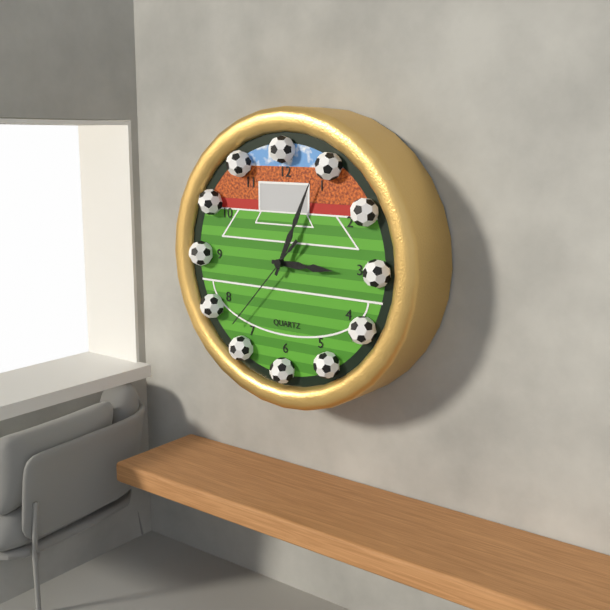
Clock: 3 h 04 min 37 s
